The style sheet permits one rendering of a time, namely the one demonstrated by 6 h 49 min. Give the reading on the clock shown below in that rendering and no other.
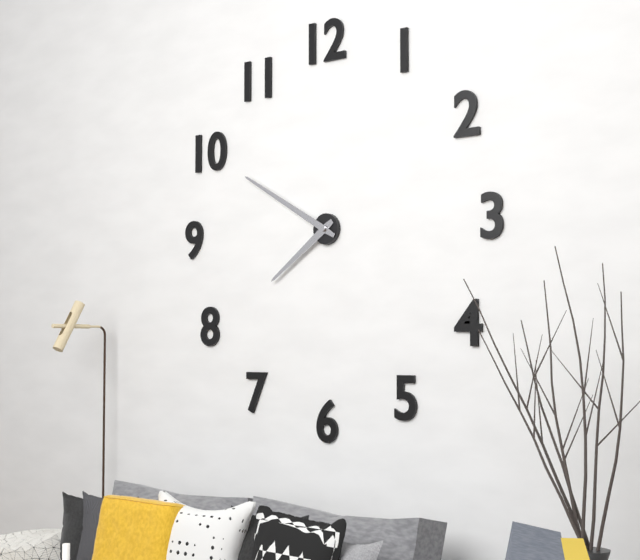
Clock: 7 h 50 min
